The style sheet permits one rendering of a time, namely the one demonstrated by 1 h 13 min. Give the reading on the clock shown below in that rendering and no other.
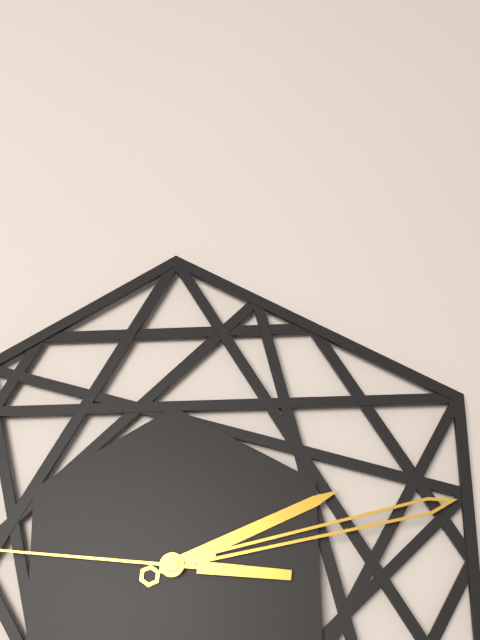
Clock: 2 h 13 min
